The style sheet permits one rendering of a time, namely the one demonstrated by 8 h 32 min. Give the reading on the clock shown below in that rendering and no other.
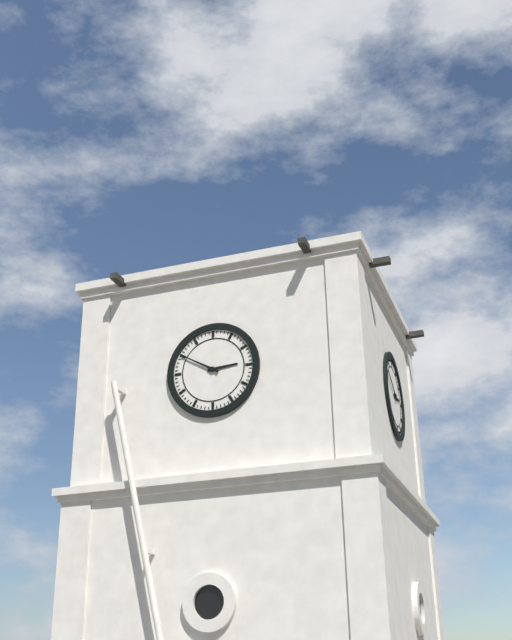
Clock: 2 h 50 min
